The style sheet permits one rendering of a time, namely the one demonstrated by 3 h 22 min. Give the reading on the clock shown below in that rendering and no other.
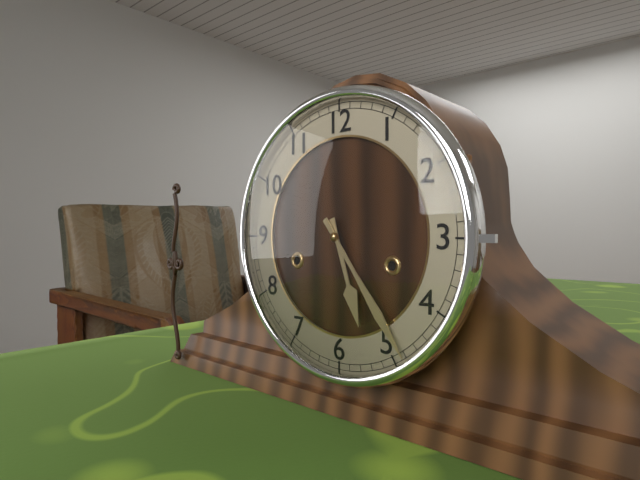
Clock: 5 h 24 min
